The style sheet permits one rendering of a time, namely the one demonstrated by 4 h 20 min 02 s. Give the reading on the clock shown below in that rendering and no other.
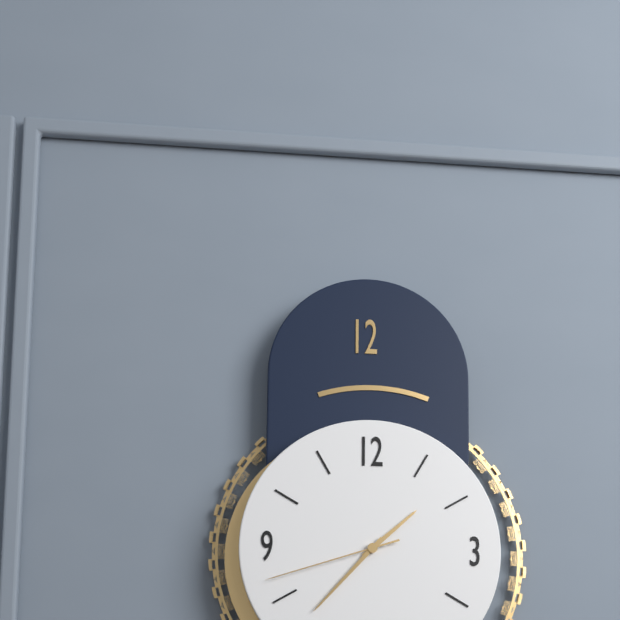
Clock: 1 h 37 min 42 s
